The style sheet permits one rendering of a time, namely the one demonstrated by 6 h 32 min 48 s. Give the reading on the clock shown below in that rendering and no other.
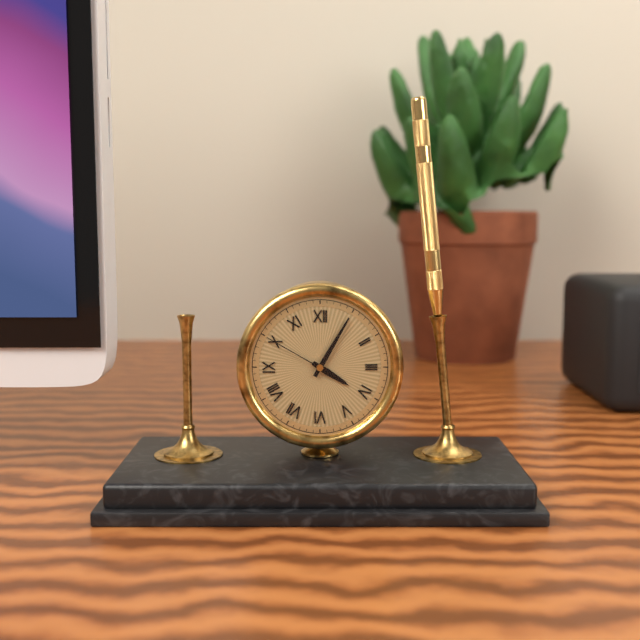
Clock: 4 h 05 min 50 s
